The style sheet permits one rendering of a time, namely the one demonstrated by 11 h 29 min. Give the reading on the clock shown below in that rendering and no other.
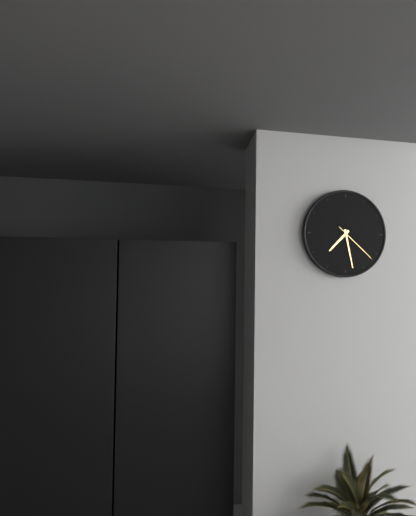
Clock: 7 h 28 min
